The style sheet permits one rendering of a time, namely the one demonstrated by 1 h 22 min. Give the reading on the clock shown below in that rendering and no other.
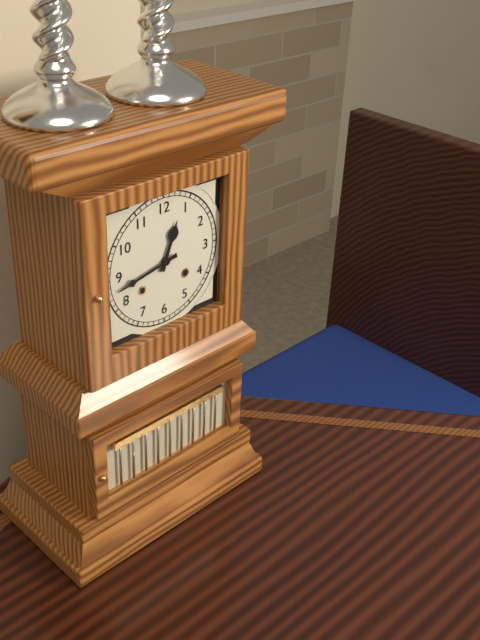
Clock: 12 h 43 min
